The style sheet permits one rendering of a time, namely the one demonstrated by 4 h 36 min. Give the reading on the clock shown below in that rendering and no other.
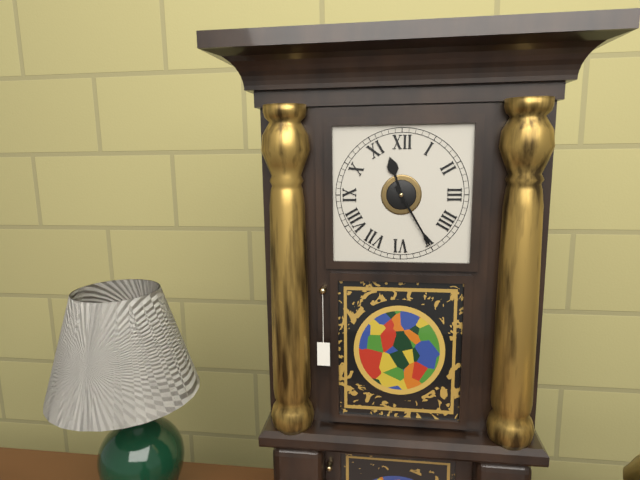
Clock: 11 h 25 min
